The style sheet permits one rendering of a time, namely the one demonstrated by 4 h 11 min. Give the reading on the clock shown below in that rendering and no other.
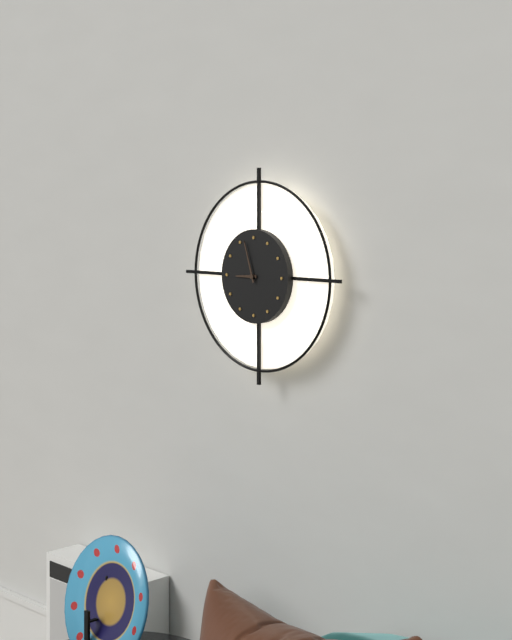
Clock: 8 h 57 min
